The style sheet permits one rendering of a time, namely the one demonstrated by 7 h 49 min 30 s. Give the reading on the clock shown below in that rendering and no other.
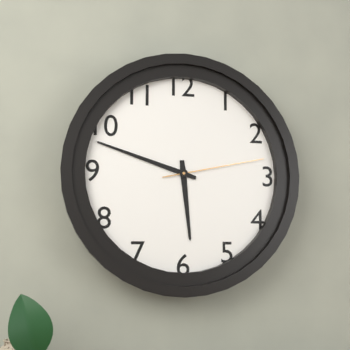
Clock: 5 h 48 min 13 s
